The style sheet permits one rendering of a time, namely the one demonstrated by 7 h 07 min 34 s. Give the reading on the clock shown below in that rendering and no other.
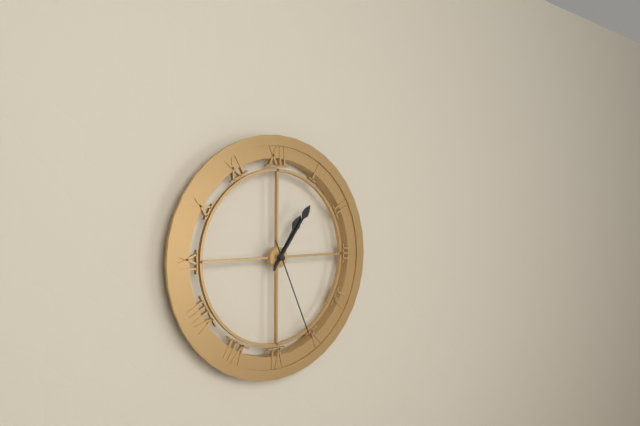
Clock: 1 h 06 min 26 s
